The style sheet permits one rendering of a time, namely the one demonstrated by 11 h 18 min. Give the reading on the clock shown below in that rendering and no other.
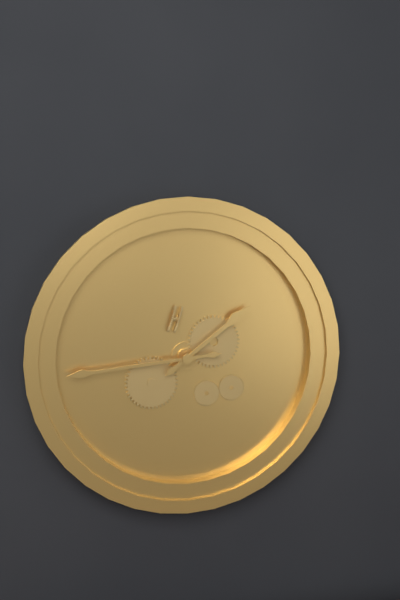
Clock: 1 h 44 min
